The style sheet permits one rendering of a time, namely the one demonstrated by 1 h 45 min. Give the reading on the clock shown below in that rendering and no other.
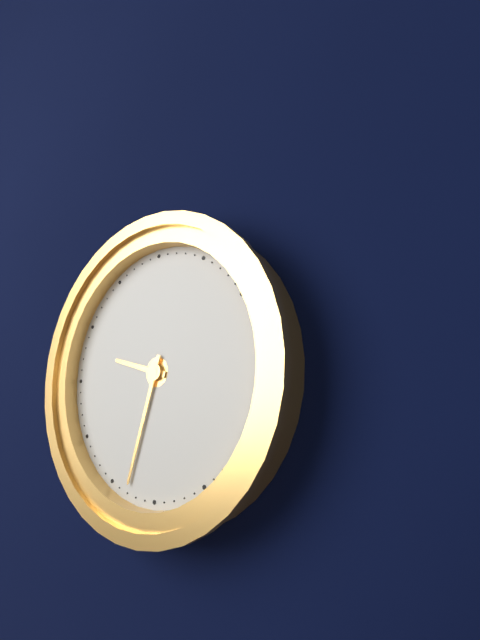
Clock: 9 h 33 min
